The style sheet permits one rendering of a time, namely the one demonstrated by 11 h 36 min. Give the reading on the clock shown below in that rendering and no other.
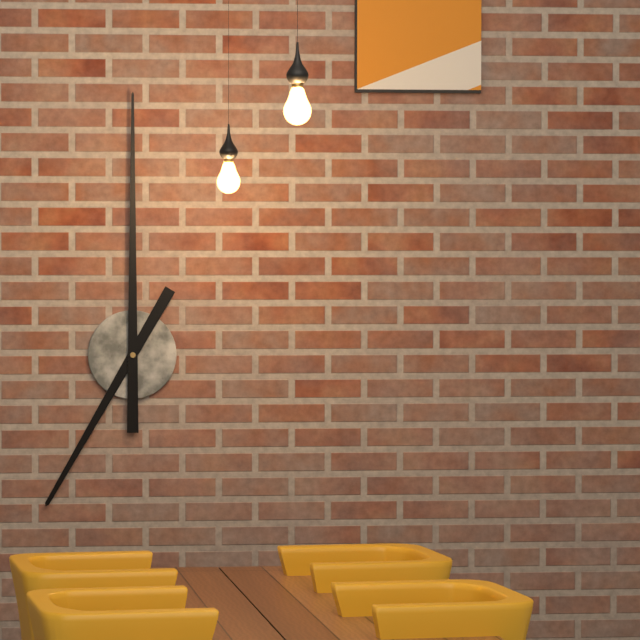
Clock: 7 h 00 min
